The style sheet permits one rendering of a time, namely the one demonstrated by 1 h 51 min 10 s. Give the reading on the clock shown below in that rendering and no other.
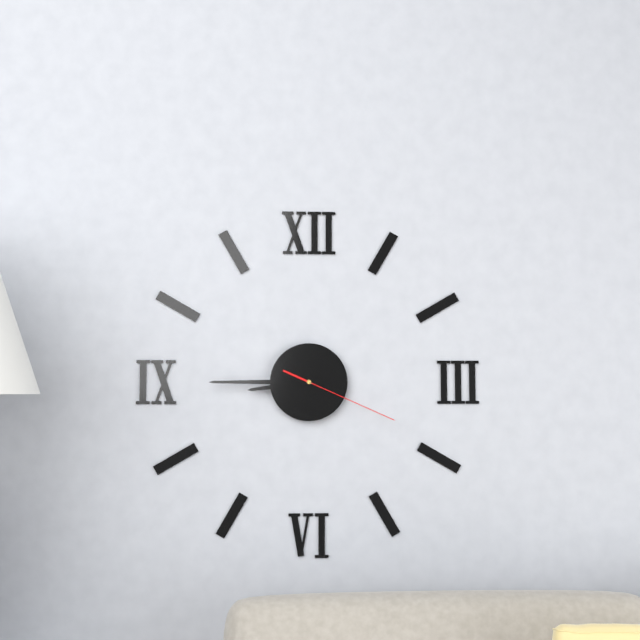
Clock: 8 h 45 min 19 s
